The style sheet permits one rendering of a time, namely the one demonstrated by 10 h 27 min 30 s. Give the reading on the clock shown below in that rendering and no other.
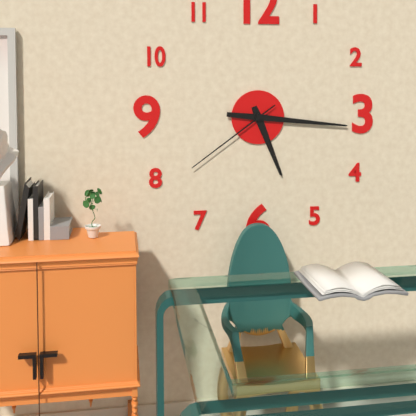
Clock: 5 h 16 min 39 s
